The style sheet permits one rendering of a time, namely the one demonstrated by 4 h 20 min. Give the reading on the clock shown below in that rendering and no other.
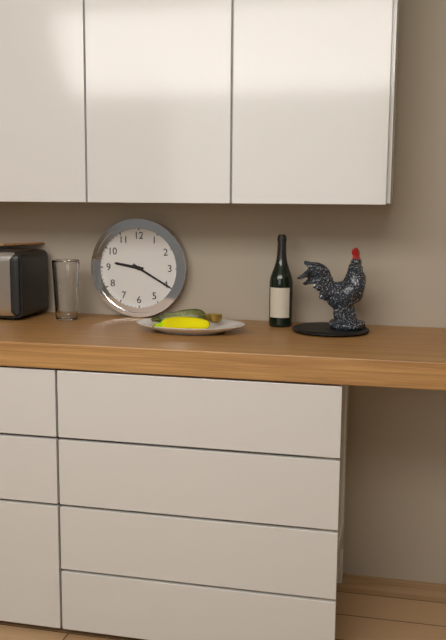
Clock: 9 h 20 min
